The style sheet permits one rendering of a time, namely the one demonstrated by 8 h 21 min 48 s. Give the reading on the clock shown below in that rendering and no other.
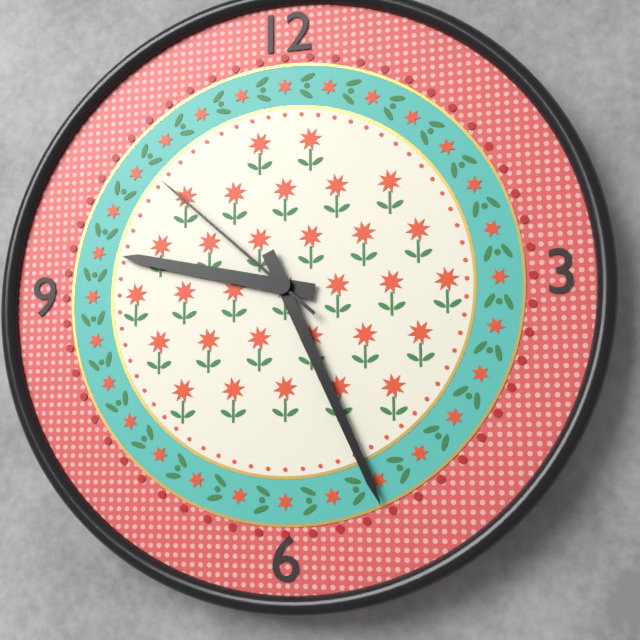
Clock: 9 h 26 min 52 s
